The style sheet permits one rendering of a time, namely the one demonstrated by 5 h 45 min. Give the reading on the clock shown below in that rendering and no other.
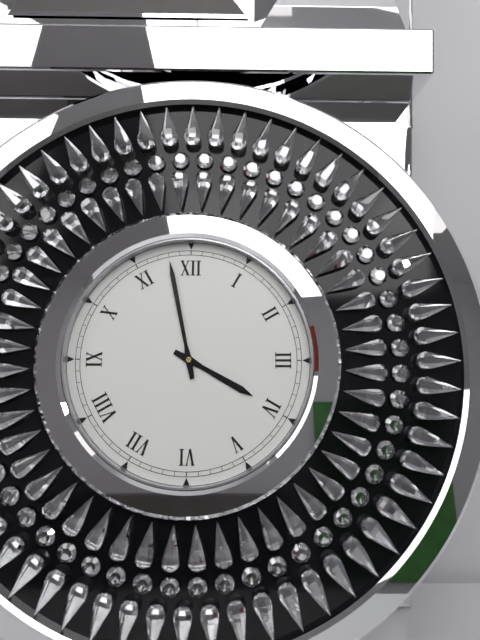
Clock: 3 h 58 min
